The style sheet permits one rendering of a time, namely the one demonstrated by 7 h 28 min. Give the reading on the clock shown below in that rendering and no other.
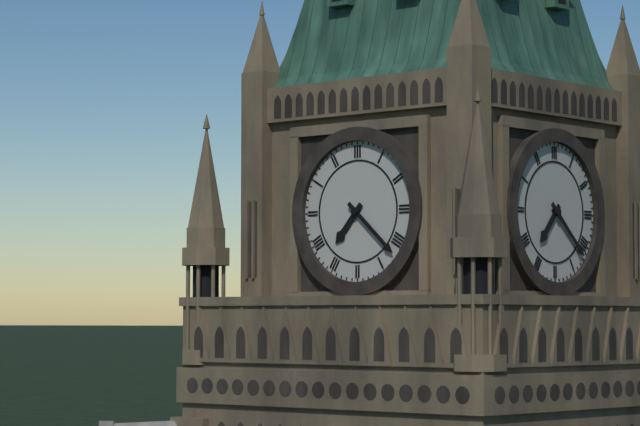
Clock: 7 h 22 min
